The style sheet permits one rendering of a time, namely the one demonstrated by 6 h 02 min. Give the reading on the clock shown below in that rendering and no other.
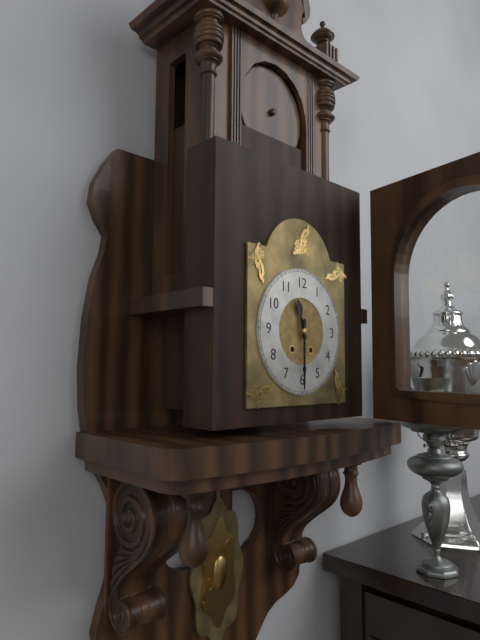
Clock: 11 h 30 min
